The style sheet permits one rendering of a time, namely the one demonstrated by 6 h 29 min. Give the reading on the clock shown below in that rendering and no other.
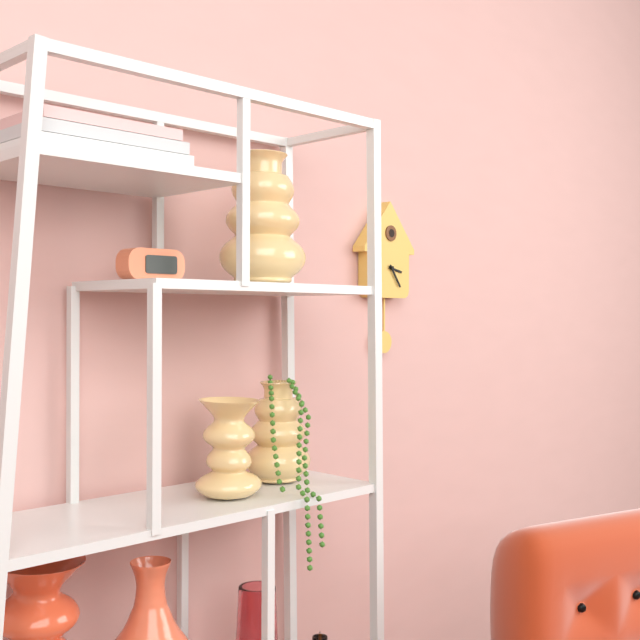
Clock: 3 h 24 min
